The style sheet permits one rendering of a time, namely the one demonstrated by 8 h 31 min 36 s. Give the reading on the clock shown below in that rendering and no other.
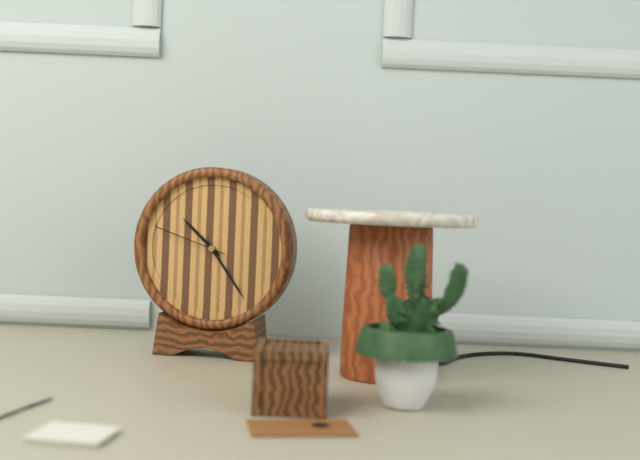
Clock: 10 h 24 min 48 s
